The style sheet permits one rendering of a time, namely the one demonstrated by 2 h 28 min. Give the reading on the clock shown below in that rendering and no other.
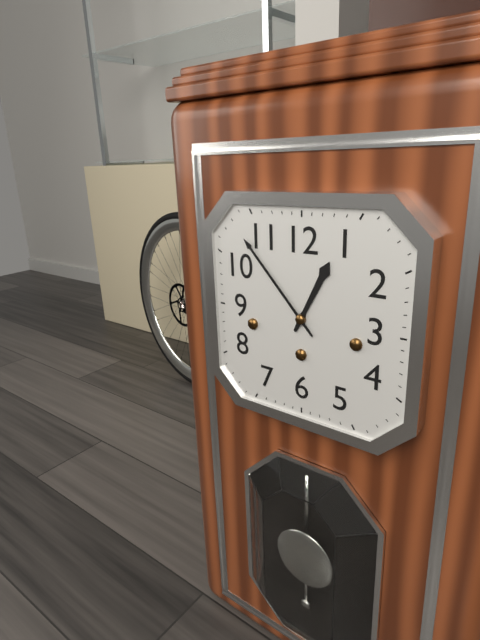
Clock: 12 h 53 min
